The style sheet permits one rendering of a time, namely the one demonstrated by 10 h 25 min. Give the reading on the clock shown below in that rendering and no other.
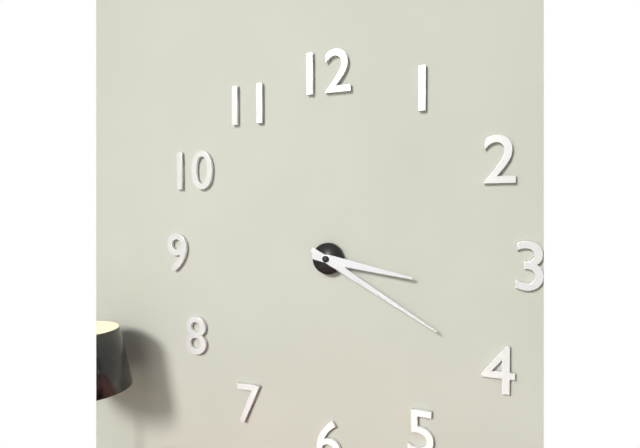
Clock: 3 h 20 min
